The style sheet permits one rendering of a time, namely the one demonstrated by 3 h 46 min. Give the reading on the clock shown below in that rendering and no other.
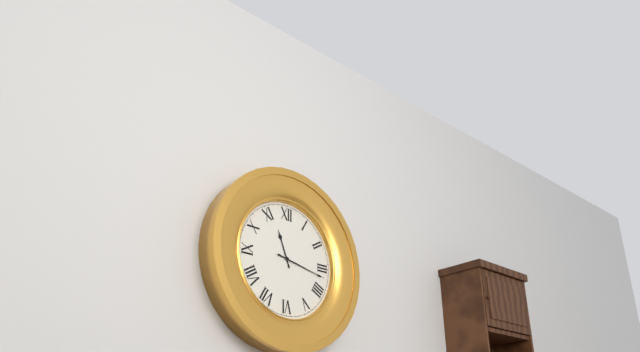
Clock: 11 h 17 min
